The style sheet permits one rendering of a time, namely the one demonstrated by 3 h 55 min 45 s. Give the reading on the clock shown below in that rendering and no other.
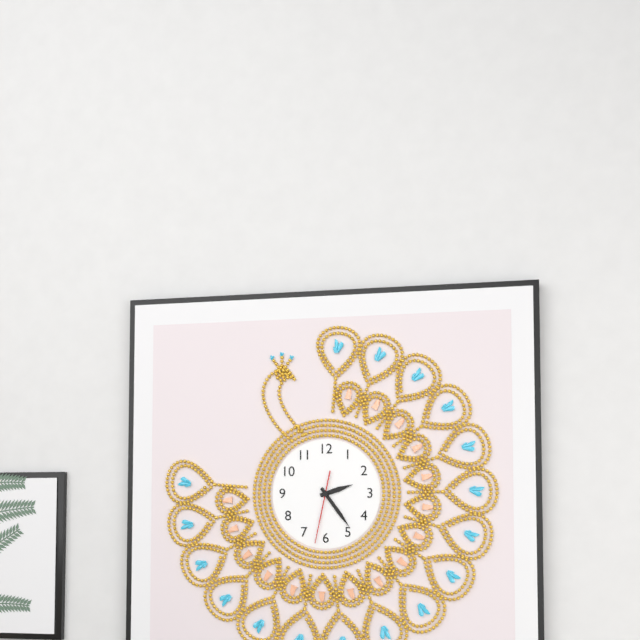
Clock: 2 h 24 min 32 s
